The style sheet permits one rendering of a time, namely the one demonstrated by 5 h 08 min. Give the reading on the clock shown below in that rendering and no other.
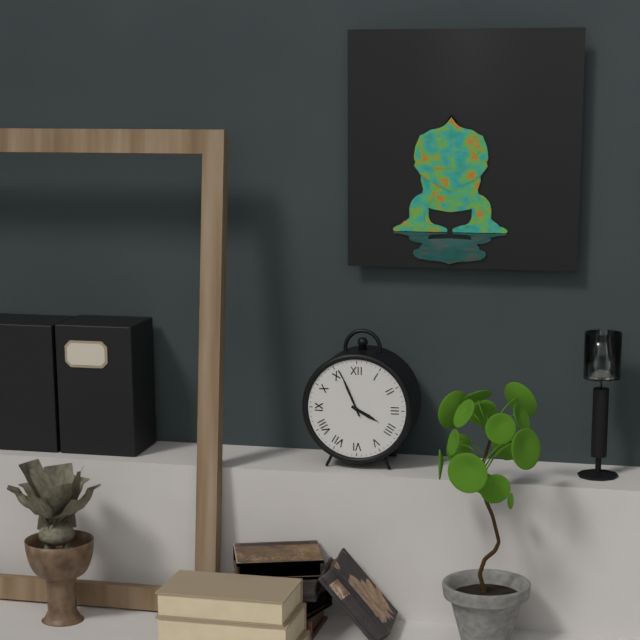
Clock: 3 h 56 min
